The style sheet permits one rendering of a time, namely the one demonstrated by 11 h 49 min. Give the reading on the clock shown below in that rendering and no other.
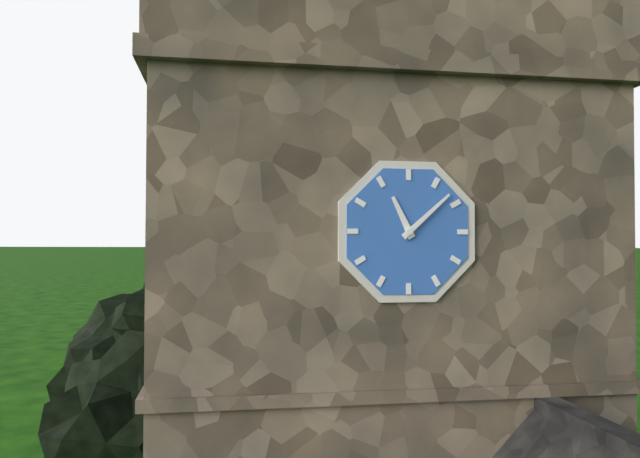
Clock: 11 h 08 min
